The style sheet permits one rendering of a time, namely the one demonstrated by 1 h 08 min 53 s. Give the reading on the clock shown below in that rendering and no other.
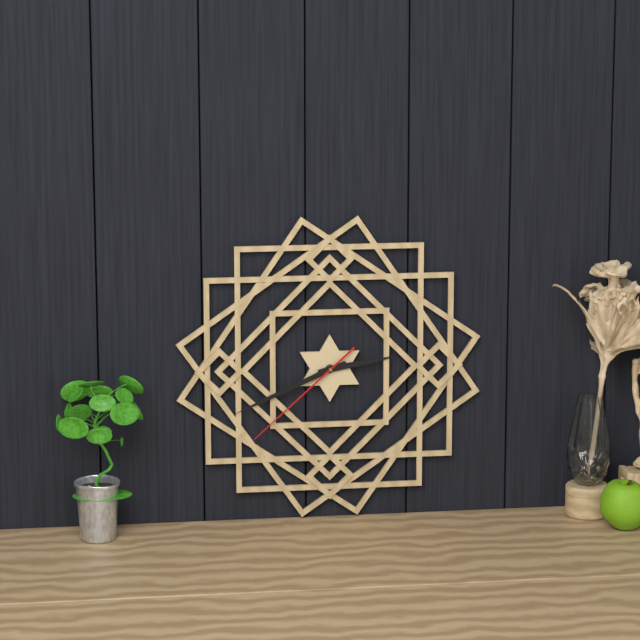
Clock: 2 h 41 min 38 s
